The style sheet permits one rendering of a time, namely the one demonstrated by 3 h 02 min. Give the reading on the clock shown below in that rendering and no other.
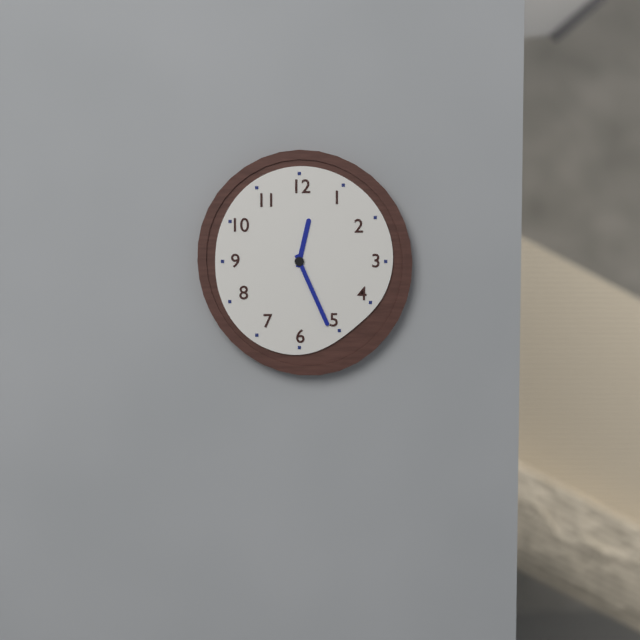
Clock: 12 h 26 min
